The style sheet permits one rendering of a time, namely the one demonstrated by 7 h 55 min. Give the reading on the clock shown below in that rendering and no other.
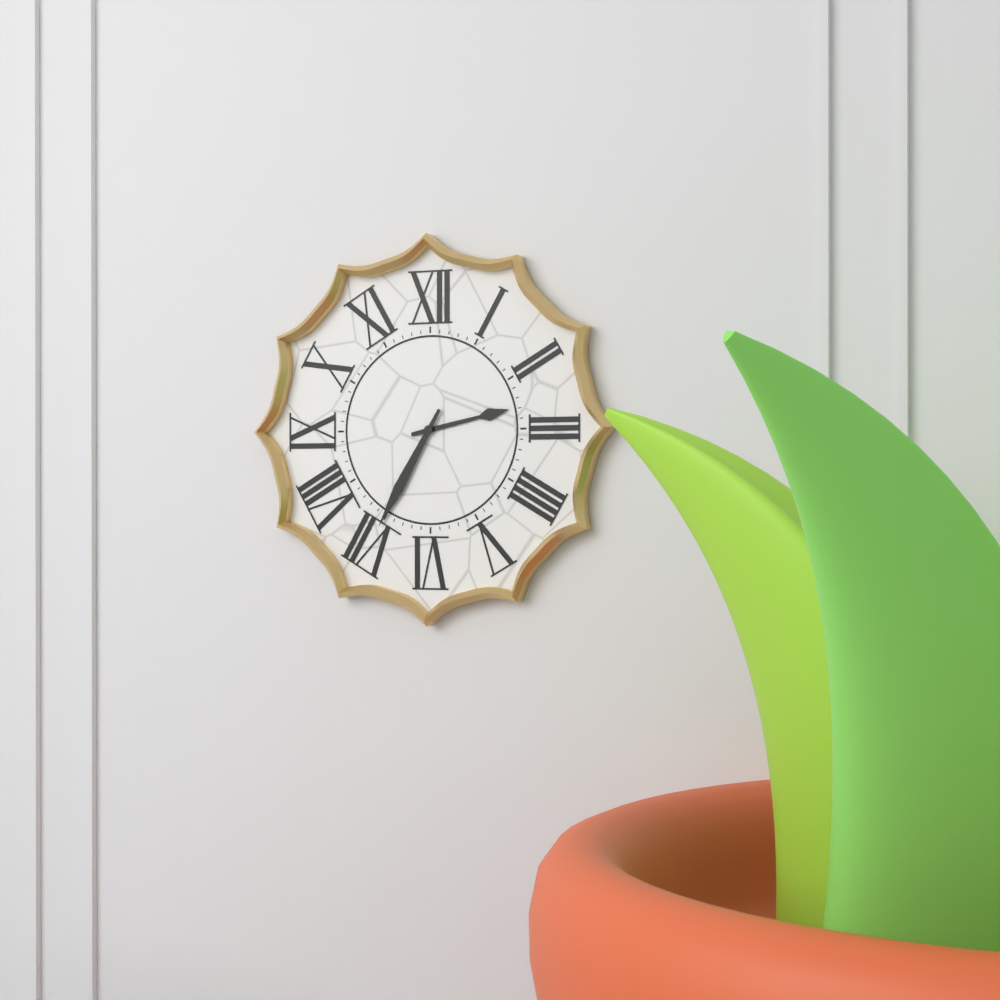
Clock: 2 h 35 min
